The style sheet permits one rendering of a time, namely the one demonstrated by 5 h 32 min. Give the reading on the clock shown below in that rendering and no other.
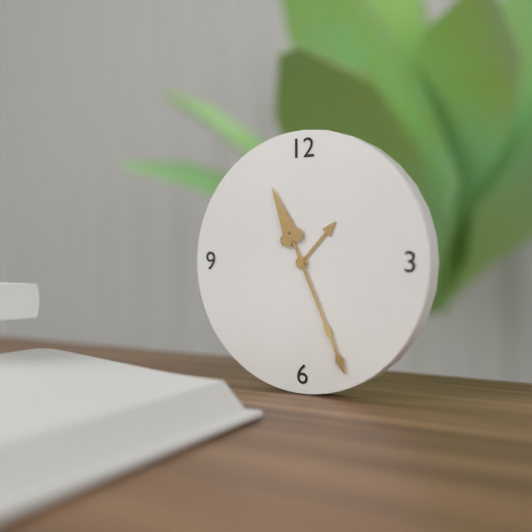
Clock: 1 h 26 min
